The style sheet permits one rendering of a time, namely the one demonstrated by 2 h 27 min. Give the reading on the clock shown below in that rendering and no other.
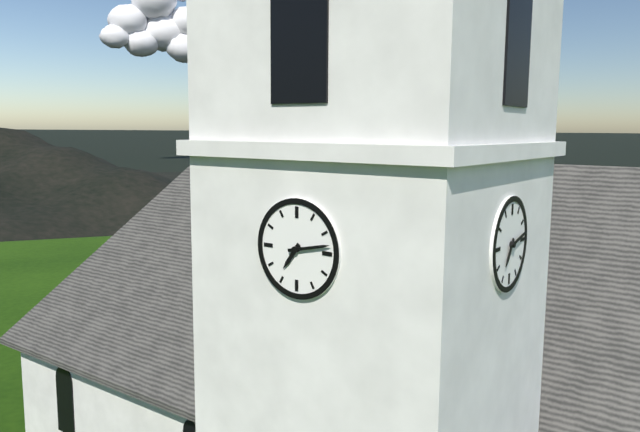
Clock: 7 h 13 min
